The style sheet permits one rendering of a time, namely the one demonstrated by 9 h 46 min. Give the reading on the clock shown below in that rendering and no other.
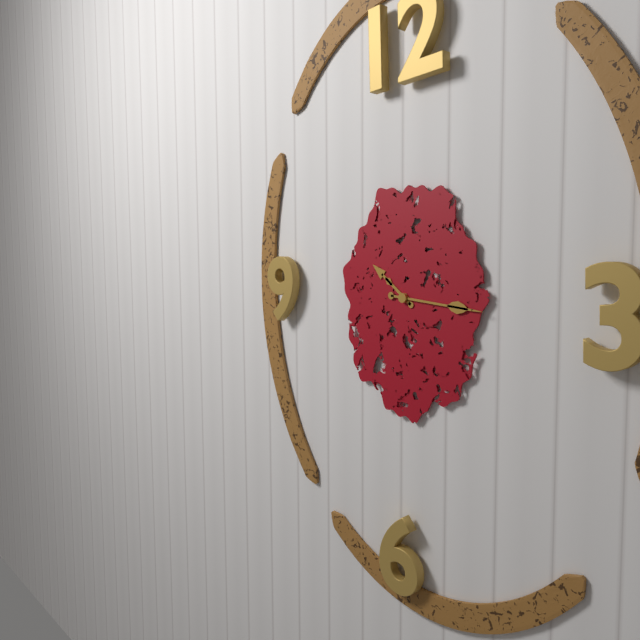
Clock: 10 h 16 min
